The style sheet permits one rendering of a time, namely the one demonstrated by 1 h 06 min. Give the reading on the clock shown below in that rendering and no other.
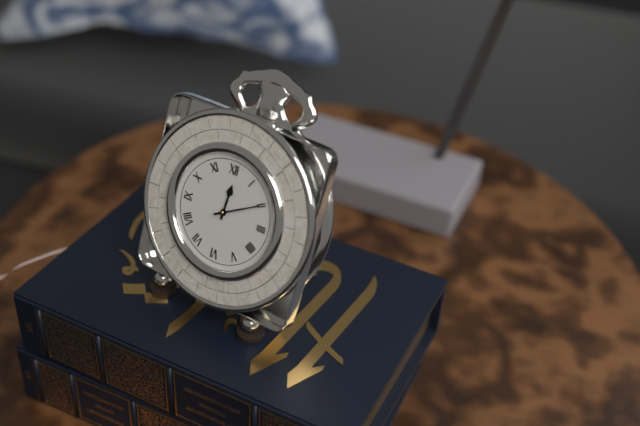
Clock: 12 h 10 min
